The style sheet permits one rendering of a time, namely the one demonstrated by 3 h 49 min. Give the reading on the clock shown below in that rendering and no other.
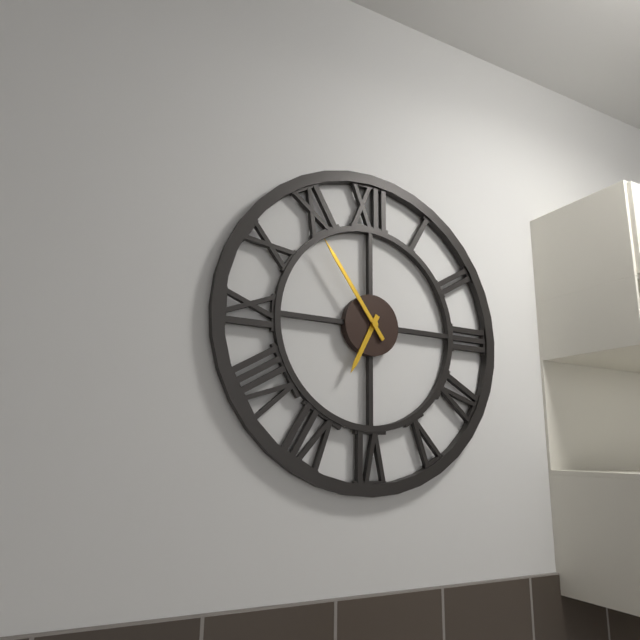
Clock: 6 h 54 min
